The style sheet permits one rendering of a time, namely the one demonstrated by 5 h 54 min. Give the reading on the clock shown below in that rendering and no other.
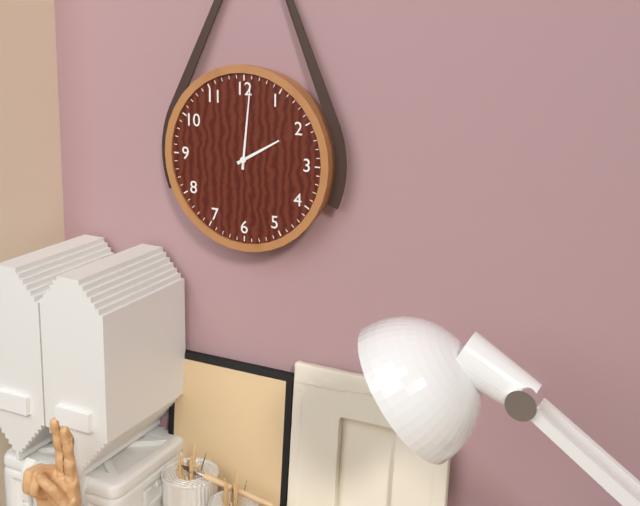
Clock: 2 h 01 min
